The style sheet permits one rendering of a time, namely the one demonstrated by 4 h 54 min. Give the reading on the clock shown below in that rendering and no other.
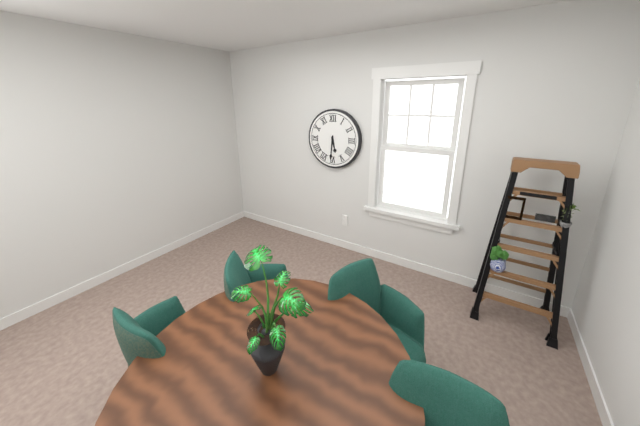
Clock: 5 h 31 min
